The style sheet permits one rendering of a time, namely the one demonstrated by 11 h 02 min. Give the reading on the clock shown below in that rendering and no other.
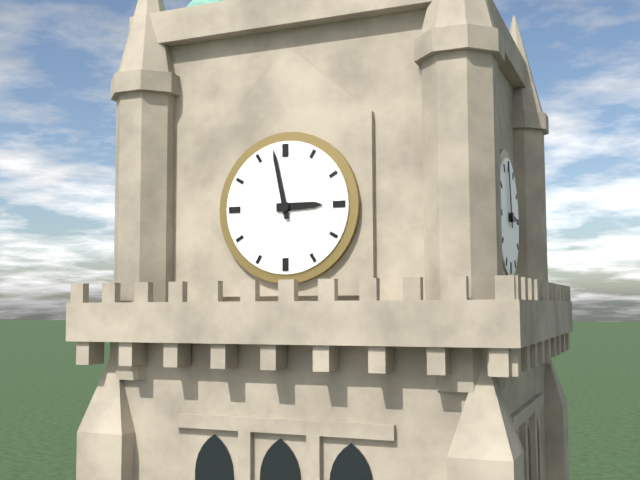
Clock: 2 h 58 min
